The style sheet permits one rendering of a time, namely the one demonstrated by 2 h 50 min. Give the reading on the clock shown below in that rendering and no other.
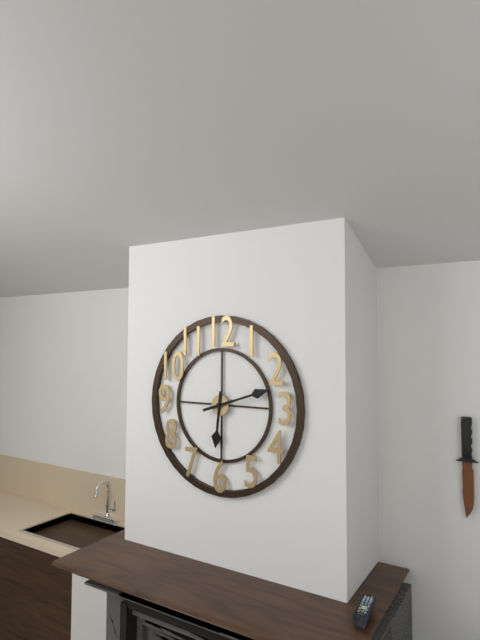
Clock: 6 h 12 min
